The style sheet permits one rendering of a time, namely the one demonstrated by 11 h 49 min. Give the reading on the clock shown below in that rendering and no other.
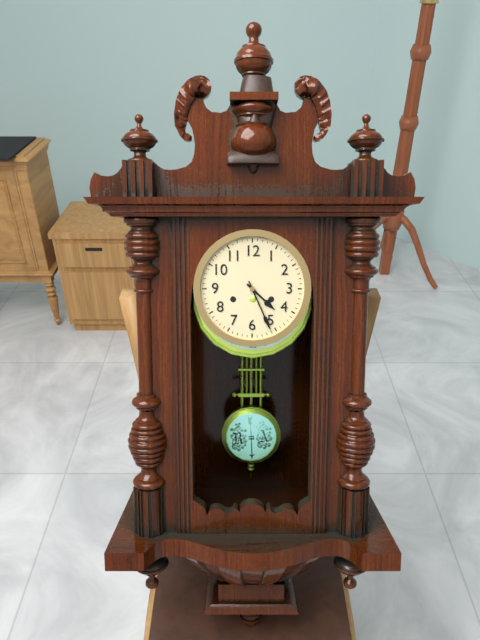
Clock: 4 h 26 min
